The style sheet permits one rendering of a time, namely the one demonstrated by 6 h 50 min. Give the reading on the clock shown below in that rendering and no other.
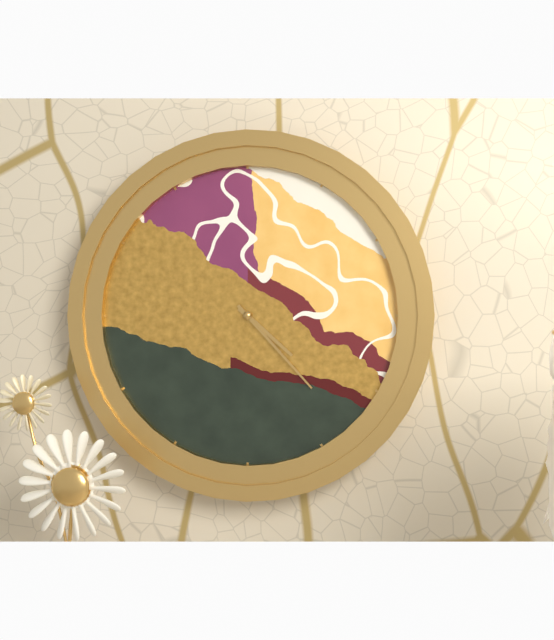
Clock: 4 h 23 min
